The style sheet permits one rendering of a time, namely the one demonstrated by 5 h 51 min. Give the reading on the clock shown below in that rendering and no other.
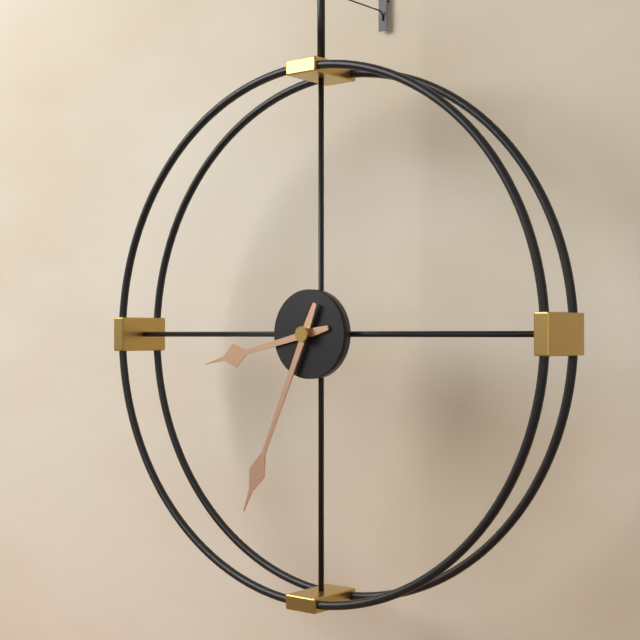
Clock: 8 h 34 min
